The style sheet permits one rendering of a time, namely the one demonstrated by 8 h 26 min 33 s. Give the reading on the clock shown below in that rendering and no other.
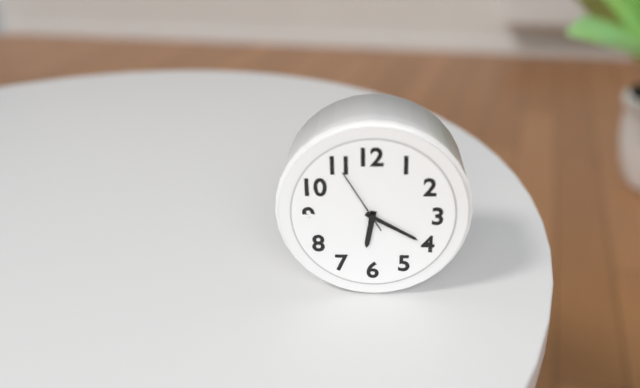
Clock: 6 h 20 min 55 s
